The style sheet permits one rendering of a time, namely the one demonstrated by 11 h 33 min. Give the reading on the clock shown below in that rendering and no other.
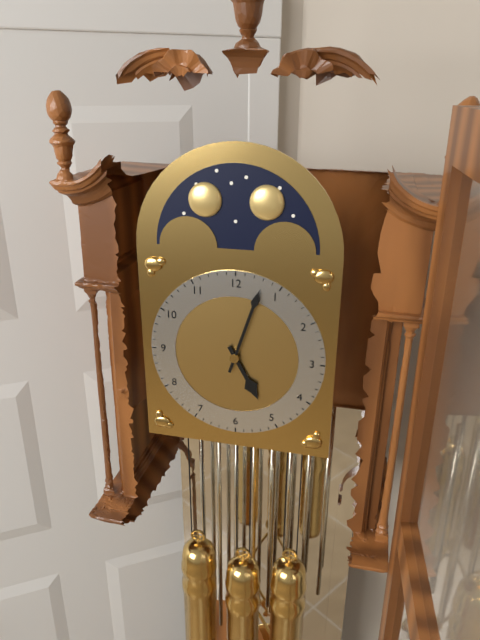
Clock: 5 h 03 min
